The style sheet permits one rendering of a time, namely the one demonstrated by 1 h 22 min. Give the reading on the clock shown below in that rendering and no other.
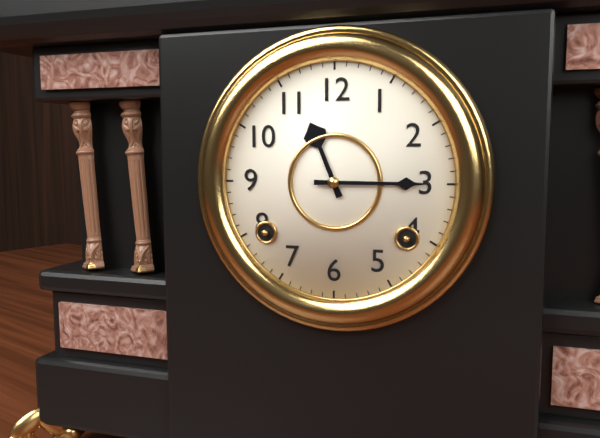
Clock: 11 h 15 min
